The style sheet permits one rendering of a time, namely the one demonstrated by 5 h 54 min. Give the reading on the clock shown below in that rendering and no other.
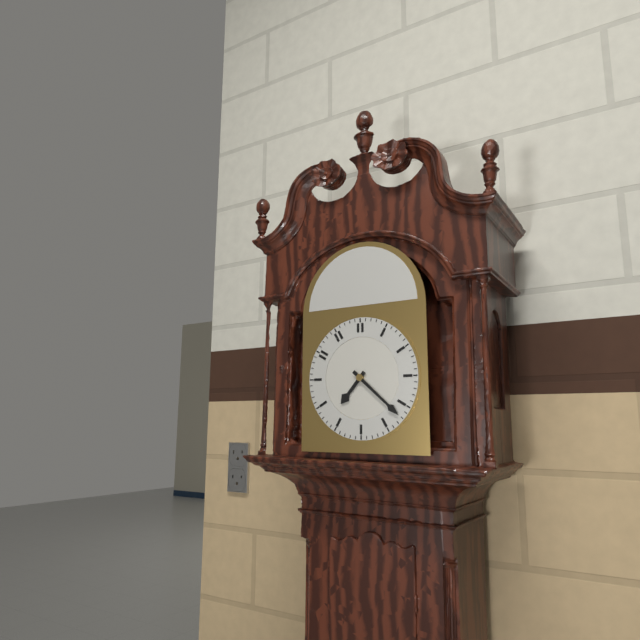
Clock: 7 h 22 min
